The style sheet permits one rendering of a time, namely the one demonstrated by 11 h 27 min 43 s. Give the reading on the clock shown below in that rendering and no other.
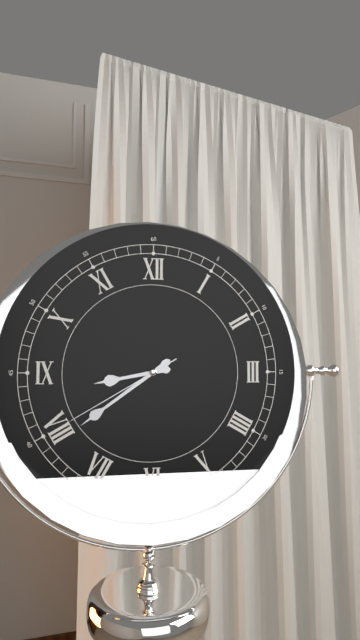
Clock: 8 h 39 min 40 s
